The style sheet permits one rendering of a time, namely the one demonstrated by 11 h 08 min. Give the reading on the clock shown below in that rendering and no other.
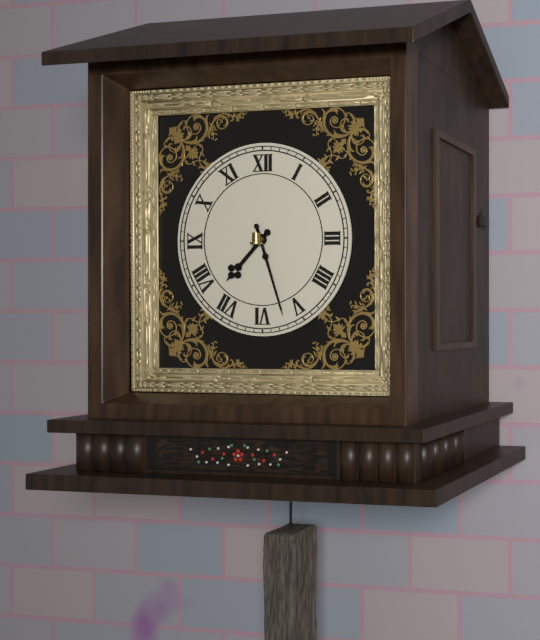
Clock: 7 h 27 min
